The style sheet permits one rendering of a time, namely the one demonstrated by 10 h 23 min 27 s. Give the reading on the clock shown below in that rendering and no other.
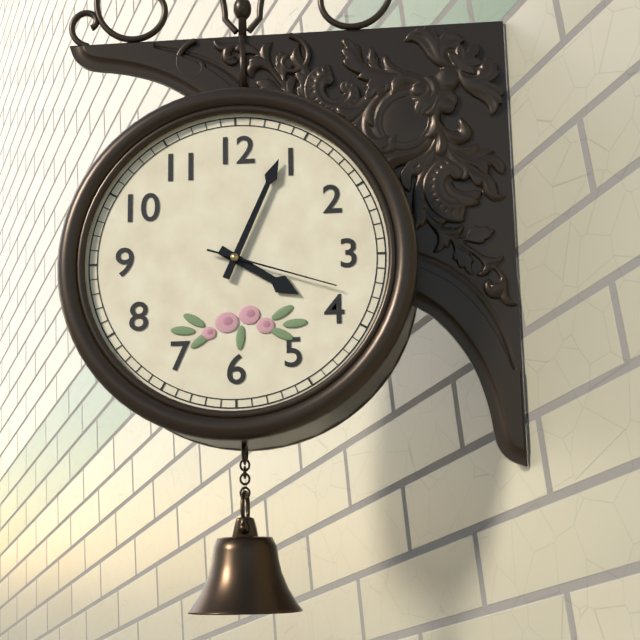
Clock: 4 h 04 min 18 s
